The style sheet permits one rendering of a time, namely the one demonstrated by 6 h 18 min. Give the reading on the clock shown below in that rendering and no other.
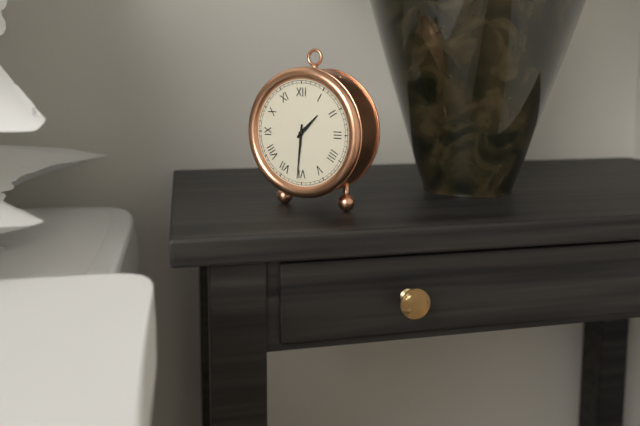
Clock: 1 h 31 min
